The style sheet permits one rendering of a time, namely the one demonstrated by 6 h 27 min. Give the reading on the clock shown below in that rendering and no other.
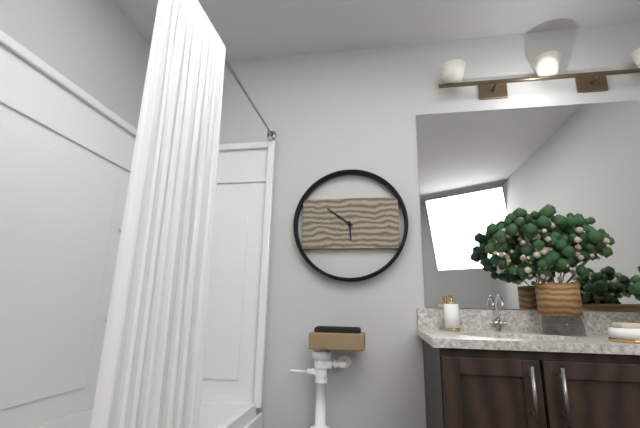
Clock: 5 h 51 min
